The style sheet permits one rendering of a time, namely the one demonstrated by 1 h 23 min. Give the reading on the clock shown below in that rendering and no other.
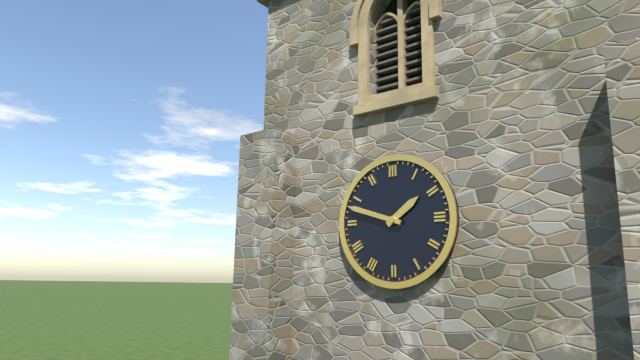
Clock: 1 h 48 min
